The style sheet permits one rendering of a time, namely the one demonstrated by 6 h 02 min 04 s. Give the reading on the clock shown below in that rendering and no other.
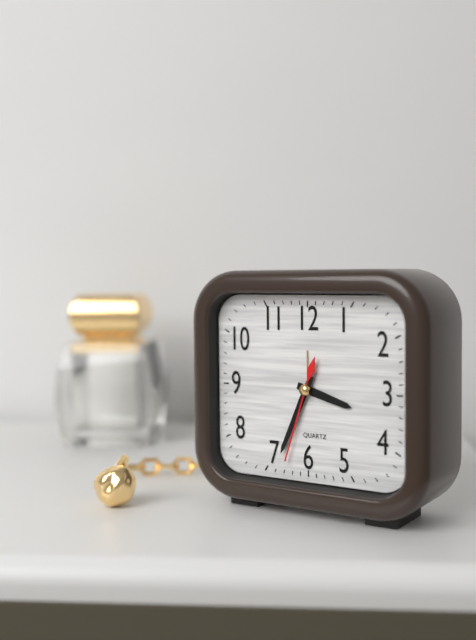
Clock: 3 h 34 min 33 s
